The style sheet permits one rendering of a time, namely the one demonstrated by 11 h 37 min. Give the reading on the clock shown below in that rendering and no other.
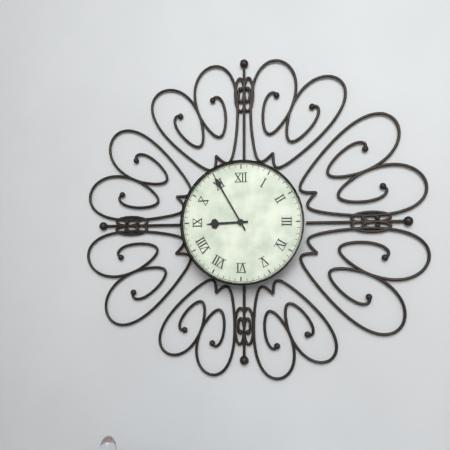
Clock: 8 h 55 min
